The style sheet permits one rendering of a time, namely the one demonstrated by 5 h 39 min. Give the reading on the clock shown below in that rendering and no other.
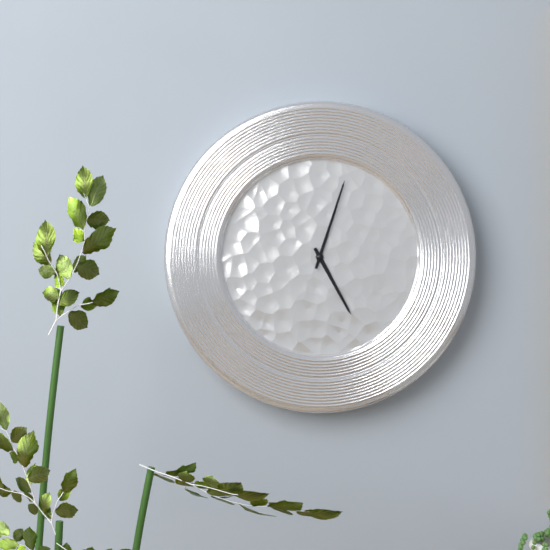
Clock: 5 h 03 min
